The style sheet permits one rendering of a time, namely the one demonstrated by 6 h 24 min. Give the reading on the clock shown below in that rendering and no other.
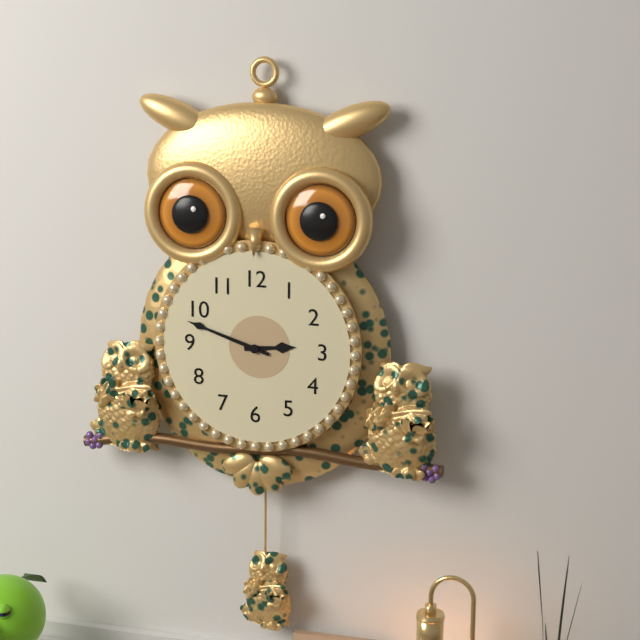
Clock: 2 h 48 min
